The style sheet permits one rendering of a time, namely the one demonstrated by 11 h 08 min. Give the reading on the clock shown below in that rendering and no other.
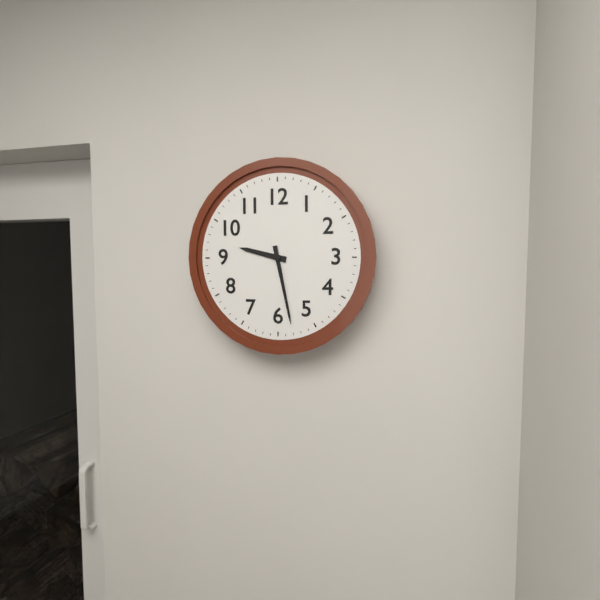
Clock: 9 h 28 min
